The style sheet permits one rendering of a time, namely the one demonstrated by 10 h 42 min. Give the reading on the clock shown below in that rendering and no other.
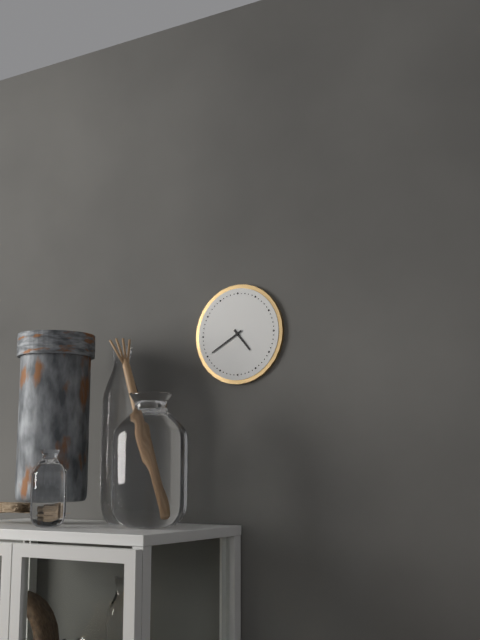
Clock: 4 h 40 min
